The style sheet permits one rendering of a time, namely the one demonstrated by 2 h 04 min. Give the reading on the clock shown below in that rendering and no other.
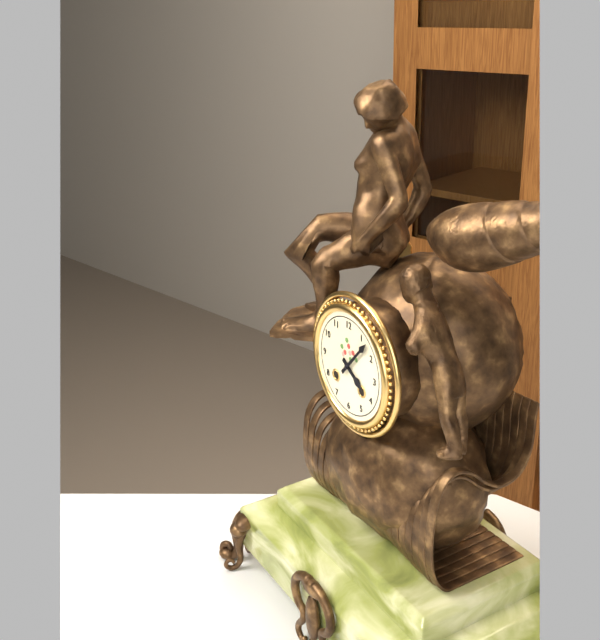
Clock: 4 h 07 min
